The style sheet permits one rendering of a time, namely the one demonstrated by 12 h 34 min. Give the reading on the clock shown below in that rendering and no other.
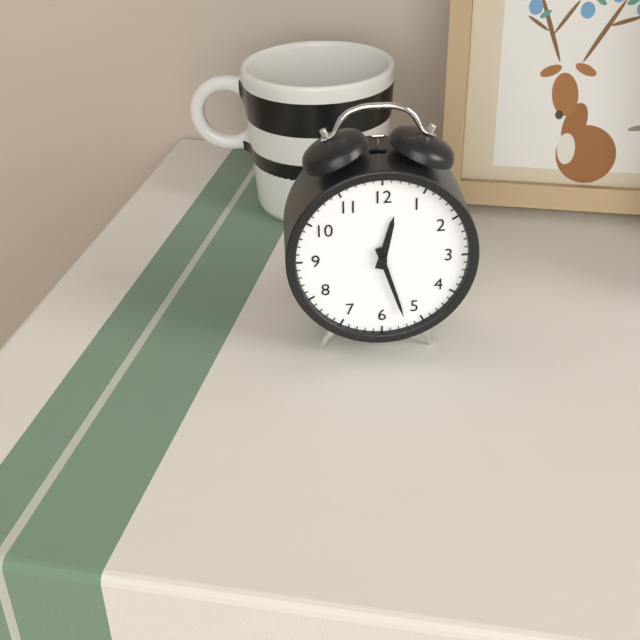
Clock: 12 h 27 min
